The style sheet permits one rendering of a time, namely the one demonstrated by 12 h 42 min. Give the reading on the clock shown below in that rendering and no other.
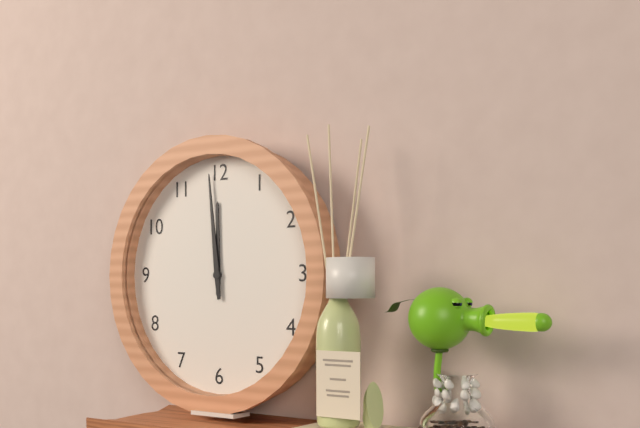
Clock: 11 h 59 min
